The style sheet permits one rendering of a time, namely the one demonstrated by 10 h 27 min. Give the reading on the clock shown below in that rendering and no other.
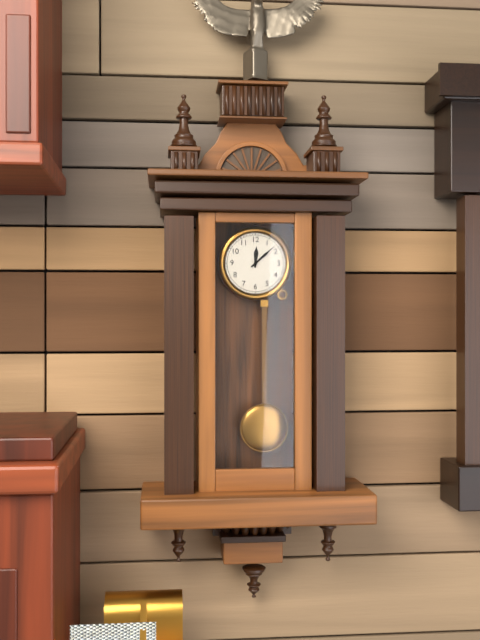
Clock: 12 h 08 min
